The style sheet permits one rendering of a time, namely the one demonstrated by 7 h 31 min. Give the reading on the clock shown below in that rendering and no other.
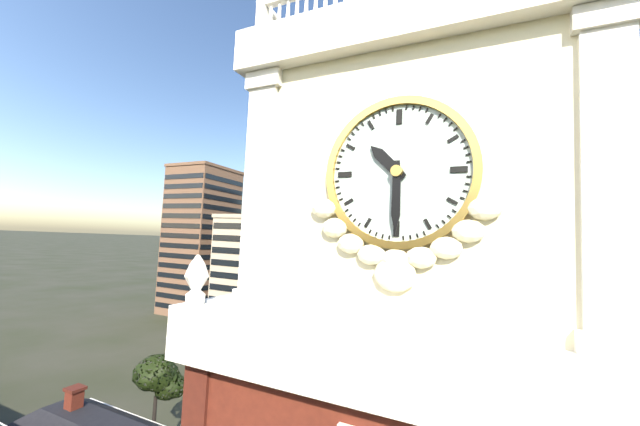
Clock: 10 h 30 min
